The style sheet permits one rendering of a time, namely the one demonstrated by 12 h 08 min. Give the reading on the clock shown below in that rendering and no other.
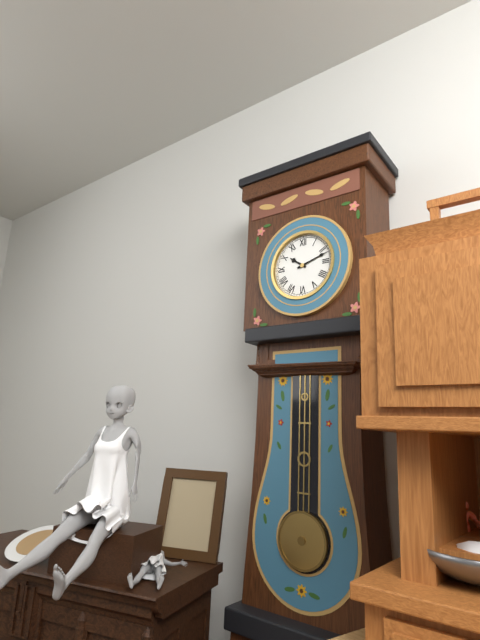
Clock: 10 h 12 min
